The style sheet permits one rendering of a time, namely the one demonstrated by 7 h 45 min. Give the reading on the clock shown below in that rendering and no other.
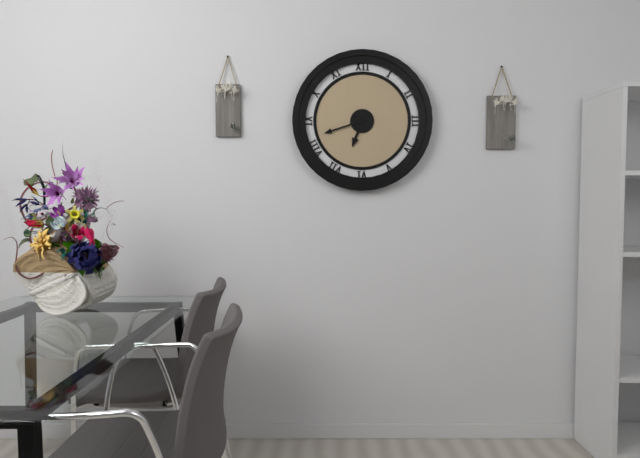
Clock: 6 h 42 min
